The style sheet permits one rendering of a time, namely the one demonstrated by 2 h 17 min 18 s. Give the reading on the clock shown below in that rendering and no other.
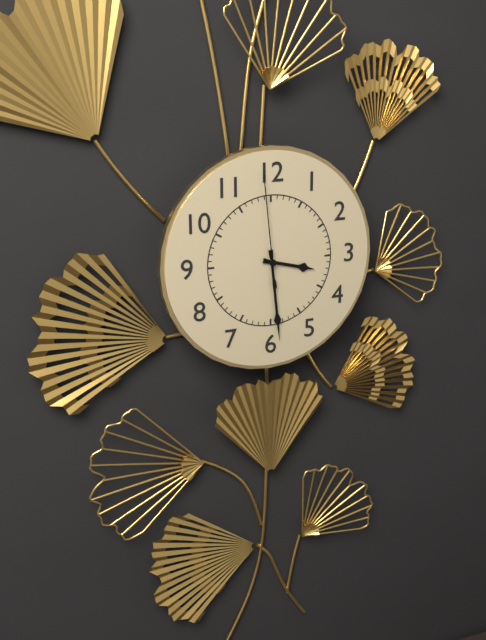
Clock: 3 h 29 min 59 s
